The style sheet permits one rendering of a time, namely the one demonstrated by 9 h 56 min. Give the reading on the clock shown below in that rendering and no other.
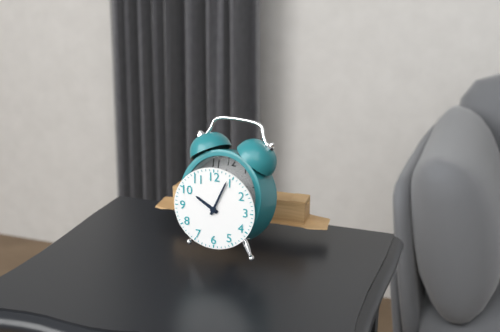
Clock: 10 h 04 min
